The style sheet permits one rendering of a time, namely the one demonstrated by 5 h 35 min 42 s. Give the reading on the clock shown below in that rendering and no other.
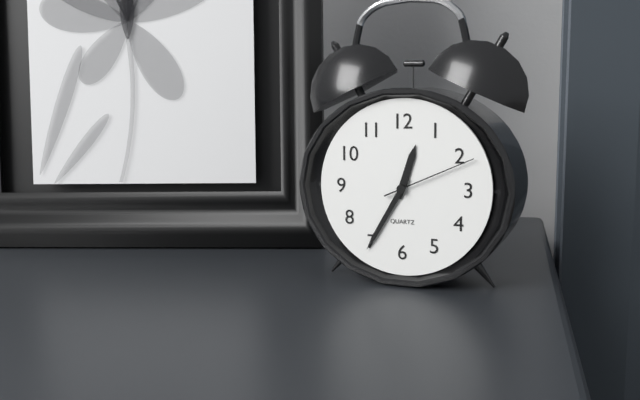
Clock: 12 h 35 min 11 s
